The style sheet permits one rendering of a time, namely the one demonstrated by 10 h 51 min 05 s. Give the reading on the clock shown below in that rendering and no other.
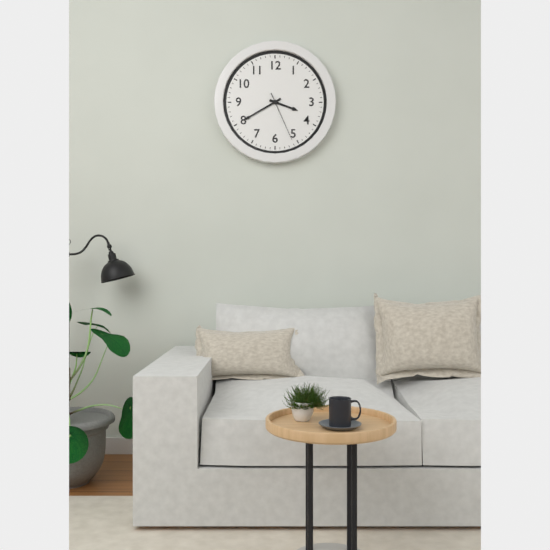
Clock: 3 h 40 min 26 s
